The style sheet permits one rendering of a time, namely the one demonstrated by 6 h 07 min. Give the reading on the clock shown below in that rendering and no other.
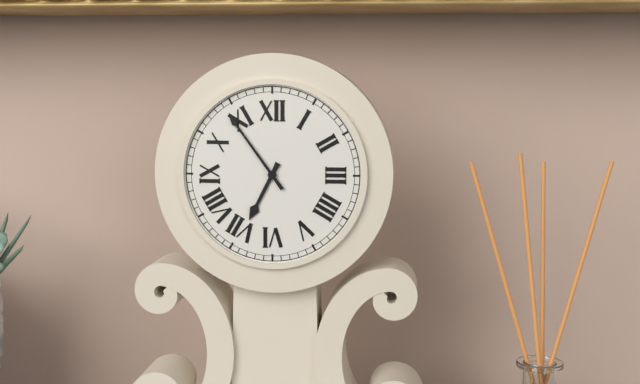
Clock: 6 h 54 min
